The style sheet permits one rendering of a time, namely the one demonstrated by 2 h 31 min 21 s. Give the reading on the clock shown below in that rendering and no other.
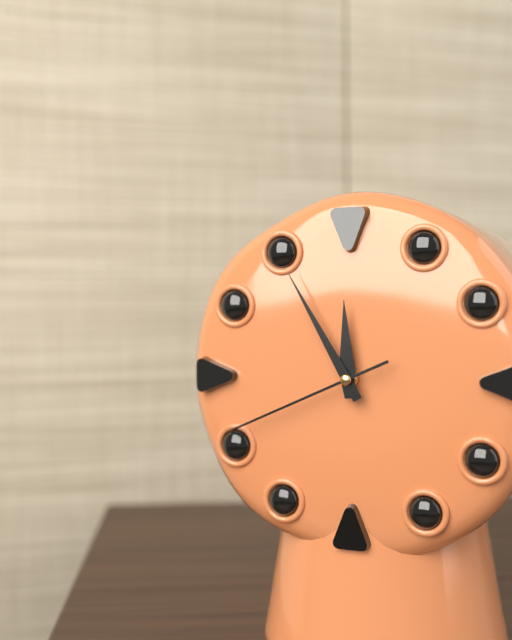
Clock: 11 h 55 min 41 s
